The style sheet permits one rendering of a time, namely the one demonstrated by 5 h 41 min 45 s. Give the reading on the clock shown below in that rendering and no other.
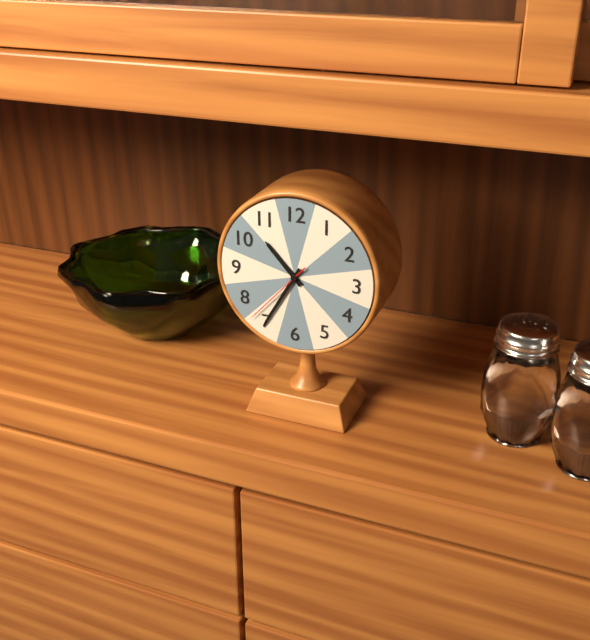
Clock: 10 h 35 min 37 s
